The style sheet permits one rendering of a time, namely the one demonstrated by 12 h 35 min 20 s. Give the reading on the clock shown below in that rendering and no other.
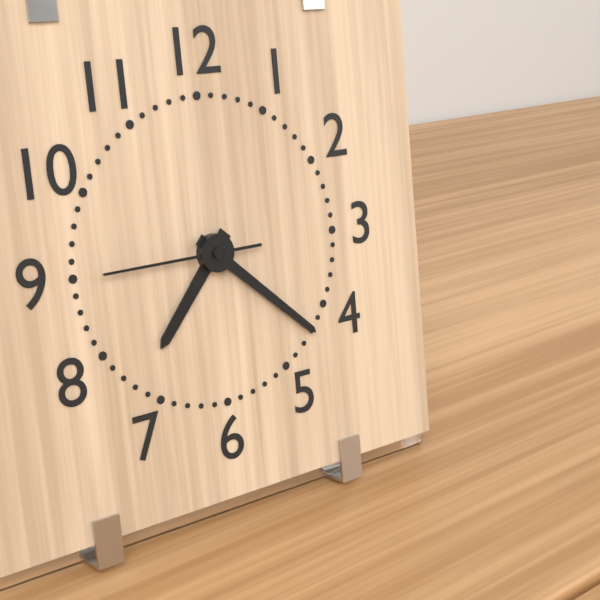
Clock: 7 h 22 min 45 s
